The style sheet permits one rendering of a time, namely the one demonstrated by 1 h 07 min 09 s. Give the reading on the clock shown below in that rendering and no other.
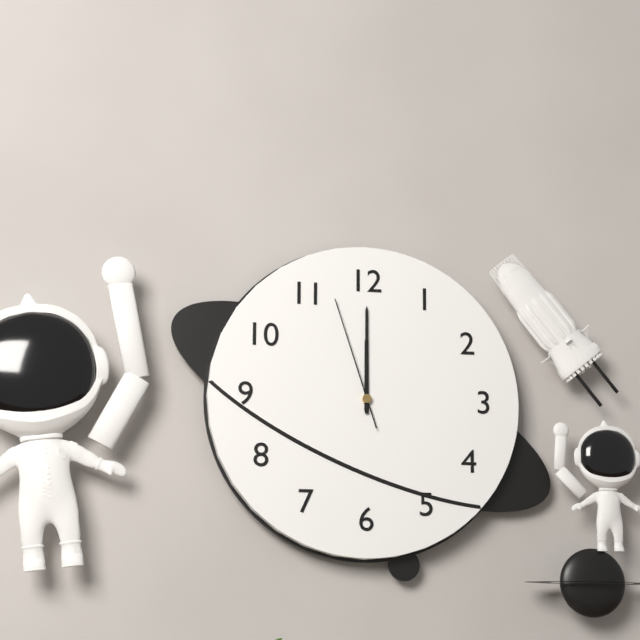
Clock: 12 h 00 min 57 s
